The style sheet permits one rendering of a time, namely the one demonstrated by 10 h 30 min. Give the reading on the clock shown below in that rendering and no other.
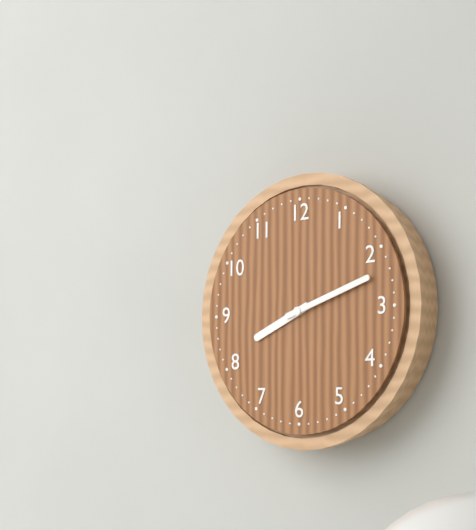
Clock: 8 h 12 min
